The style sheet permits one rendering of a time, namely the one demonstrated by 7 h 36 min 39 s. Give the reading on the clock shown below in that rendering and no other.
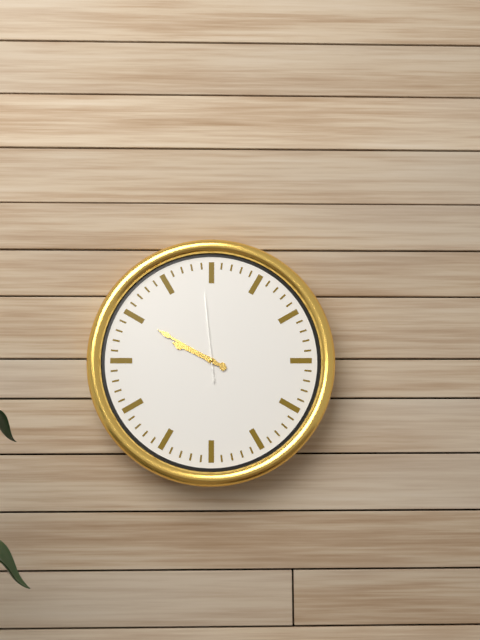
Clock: 9 h 50 min 59 s
